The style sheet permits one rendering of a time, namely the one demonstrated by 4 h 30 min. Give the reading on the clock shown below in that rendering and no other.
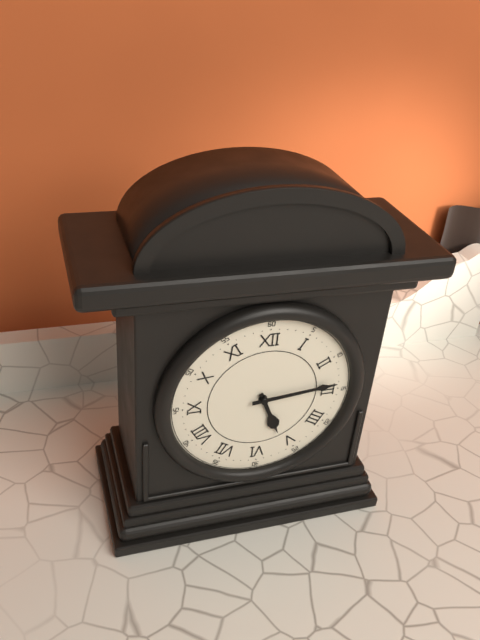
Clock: 5 h 14 min
